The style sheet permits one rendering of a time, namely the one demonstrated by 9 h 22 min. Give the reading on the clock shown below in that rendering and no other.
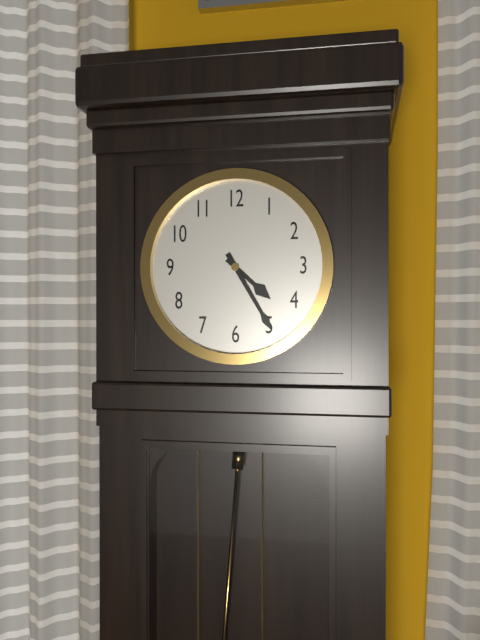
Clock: 4 h 25 min
